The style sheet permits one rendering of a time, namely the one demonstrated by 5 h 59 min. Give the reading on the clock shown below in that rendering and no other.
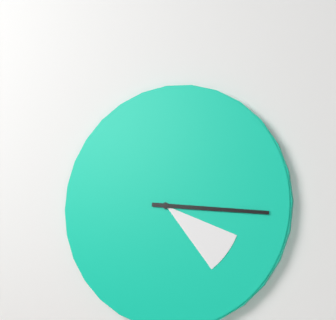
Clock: 4 h 16 min
